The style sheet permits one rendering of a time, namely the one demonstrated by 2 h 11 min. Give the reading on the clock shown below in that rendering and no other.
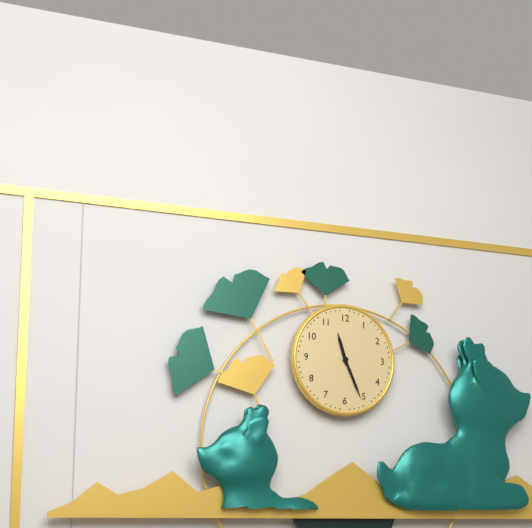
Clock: 11 h 26 min
